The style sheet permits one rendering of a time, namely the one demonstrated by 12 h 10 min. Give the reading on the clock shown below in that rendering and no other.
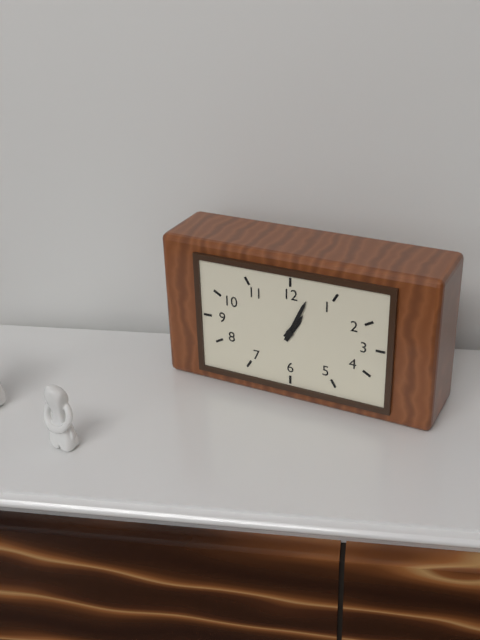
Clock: 1 h 04 min
